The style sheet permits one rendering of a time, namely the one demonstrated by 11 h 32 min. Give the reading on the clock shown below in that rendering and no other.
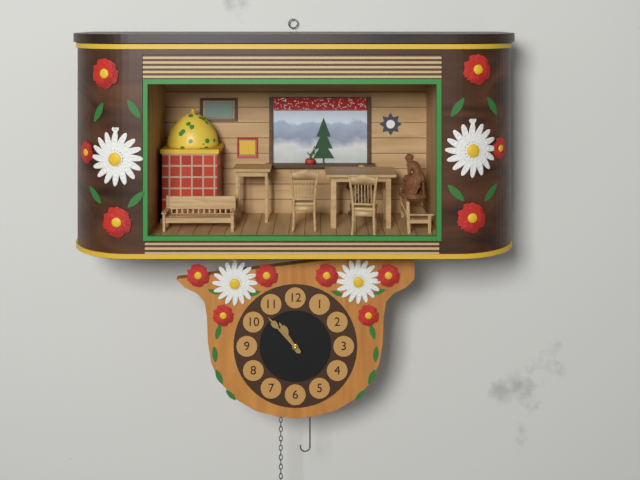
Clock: 10 h 53 min
